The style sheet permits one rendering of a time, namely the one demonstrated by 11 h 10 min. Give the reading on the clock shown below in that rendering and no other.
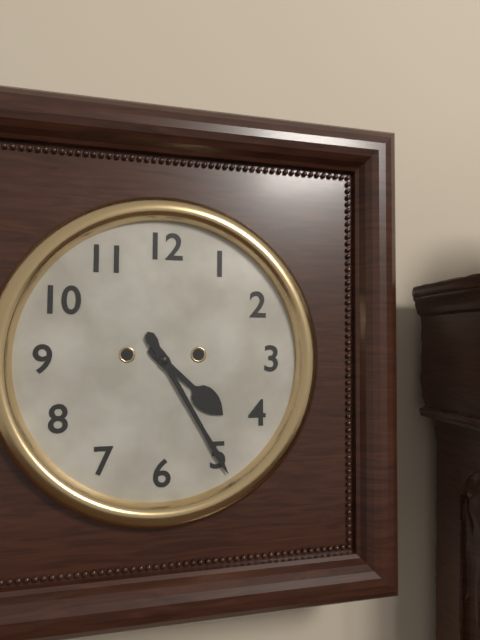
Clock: 4 h 25 min
